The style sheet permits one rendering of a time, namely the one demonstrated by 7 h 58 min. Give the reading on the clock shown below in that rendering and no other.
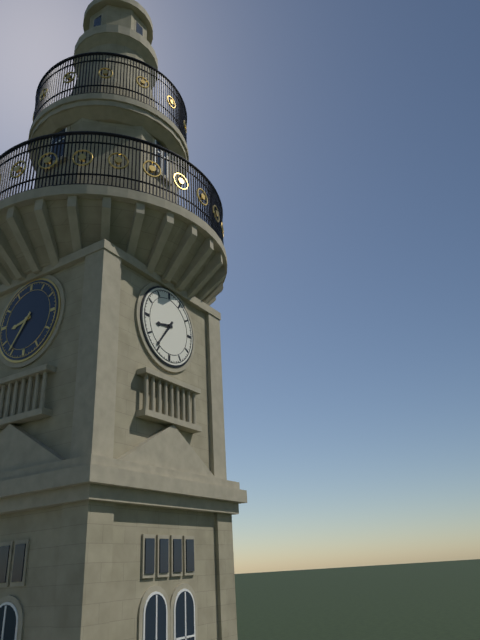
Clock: 8 h 36 min
